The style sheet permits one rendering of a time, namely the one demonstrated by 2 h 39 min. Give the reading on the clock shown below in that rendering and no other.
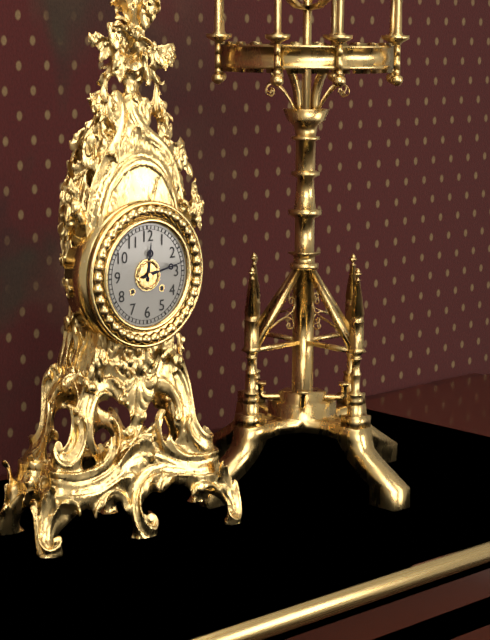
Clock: 12 h 13 min
